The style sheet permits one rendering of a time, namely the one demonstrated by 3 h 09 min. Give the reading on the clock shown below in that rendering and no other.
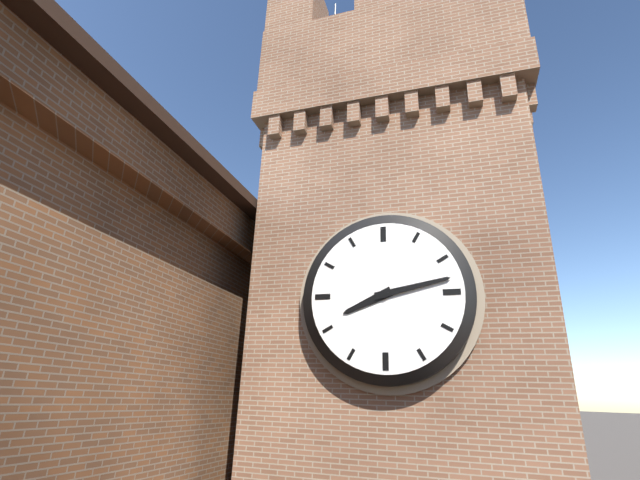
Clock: 8 h 13 min
